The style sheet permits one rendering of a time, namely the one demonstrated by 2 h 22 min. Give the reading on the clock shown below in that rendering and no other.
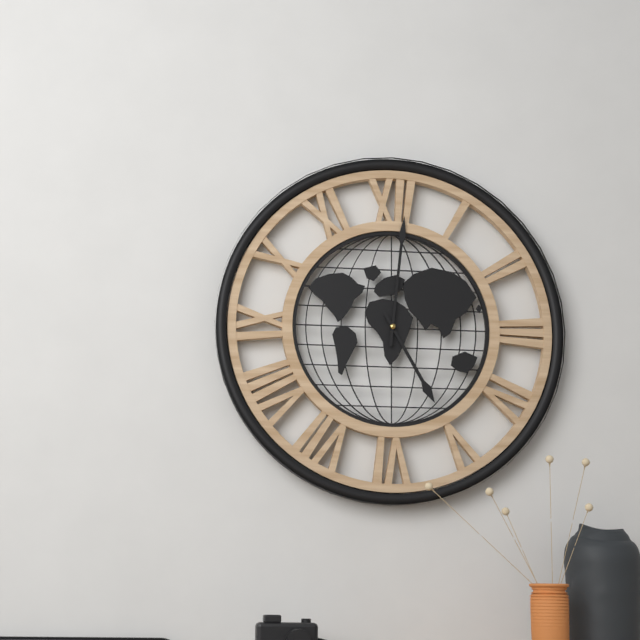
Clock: 5 h 01 min
